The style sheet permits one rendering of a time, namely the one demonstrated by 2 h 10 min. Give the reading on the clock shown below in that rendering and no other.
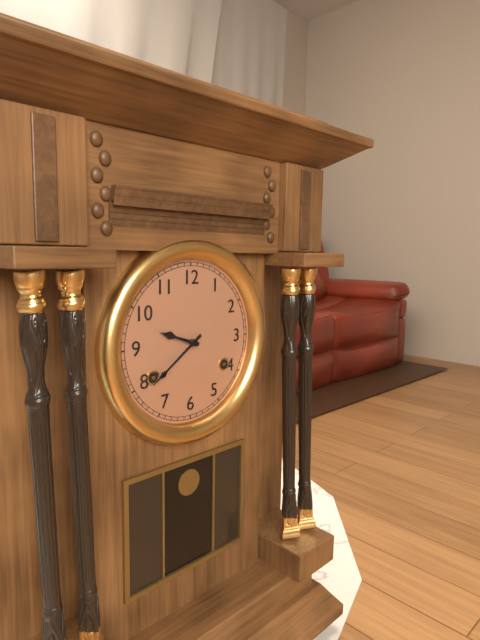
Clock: 9 h 39 min
